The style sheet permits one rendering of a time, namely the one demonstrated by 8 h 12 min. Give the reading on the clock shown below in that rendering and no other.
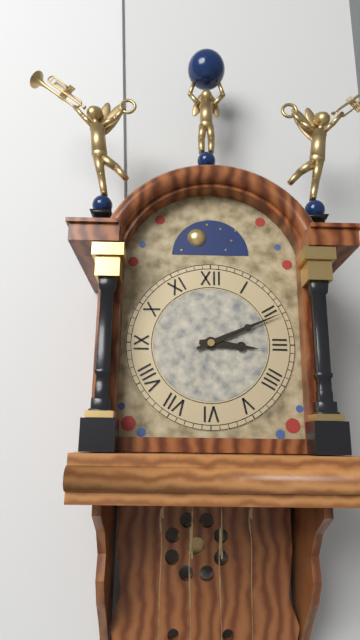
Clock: 3 h 11 min
